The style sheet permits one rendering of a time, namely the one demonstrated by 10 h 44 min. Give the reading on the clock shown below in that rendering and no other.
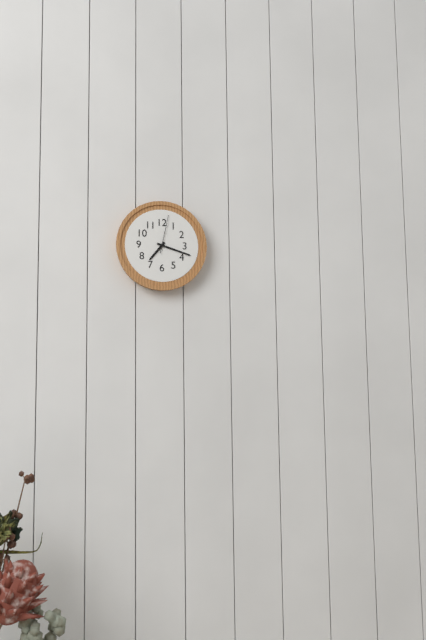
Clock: 7 h 18 min
